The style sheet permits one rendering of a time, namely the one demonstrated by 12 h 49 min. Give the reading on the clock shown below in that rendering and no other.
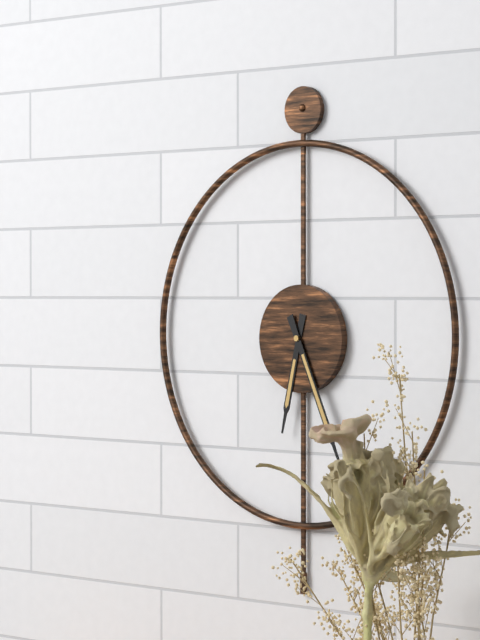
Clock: 6 h 26 min
